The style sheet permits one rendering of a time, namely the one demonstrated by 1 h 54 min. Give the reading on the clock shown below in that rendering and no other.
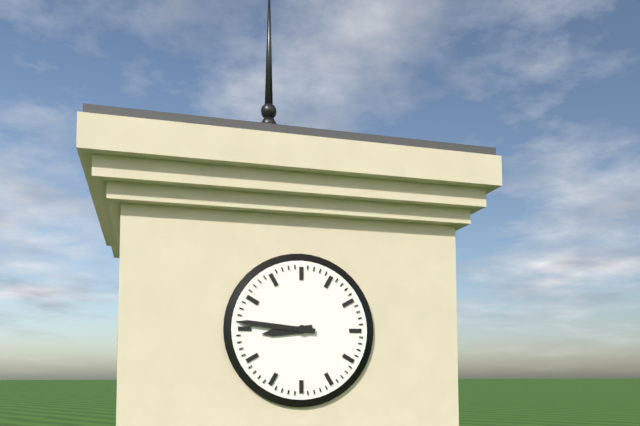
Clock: 8 h 46 min
